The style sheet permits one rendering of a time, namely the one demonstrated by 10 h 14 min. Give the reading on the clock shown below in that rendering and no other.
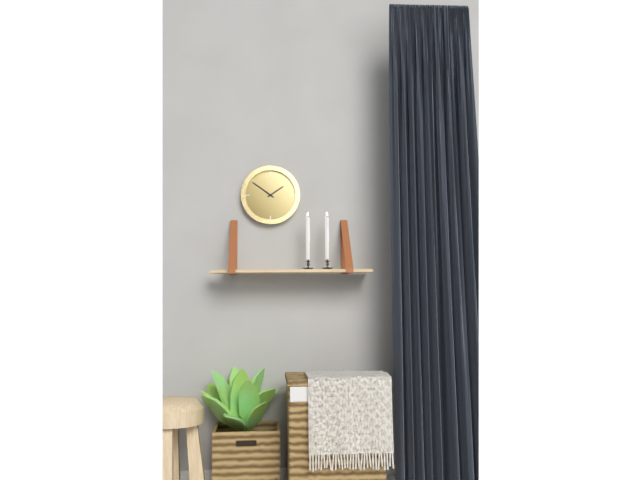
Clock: 1 h 51 min
